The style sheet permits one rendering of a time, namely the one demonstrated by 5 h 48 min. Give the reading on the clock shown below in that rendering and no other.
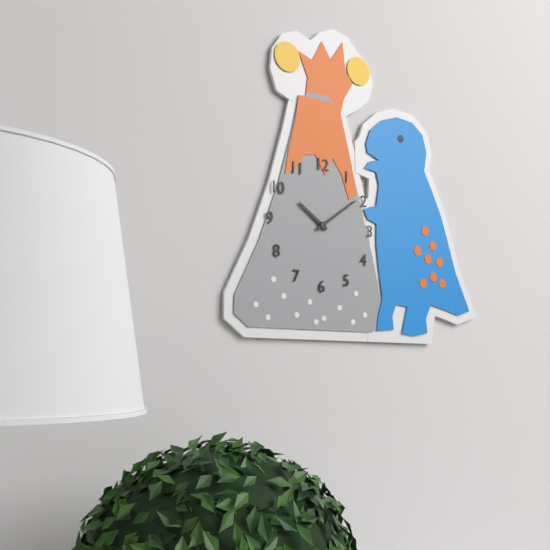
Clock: 10 h 09 min
